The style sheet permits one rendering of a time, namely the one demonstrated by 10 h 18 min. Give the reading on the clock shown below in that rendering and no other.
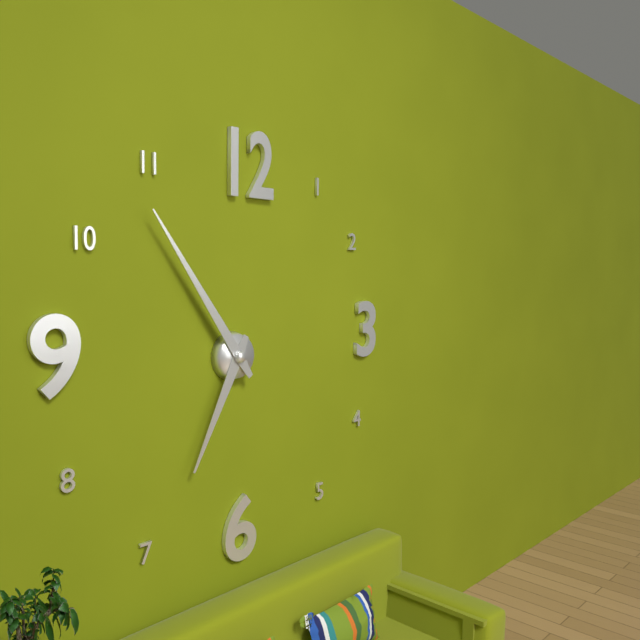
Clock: 6 h 54 min
